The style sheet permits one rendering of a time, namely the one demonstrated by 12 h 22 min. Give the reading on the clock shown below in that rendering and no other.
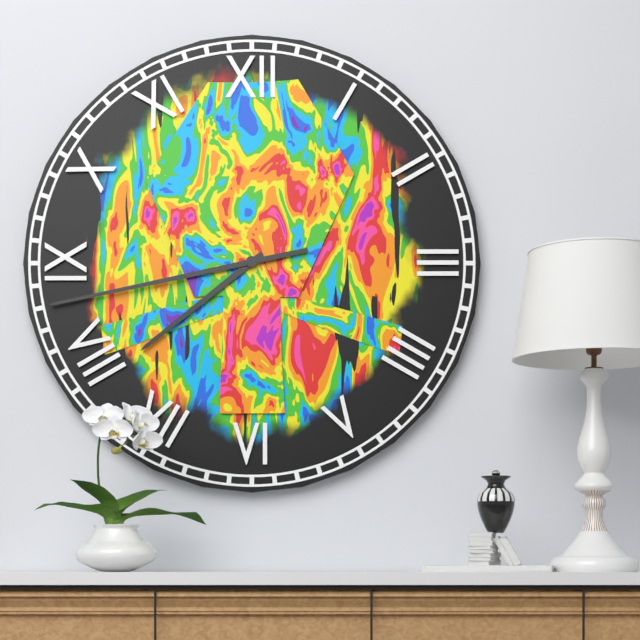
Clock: 7 h 43 min
